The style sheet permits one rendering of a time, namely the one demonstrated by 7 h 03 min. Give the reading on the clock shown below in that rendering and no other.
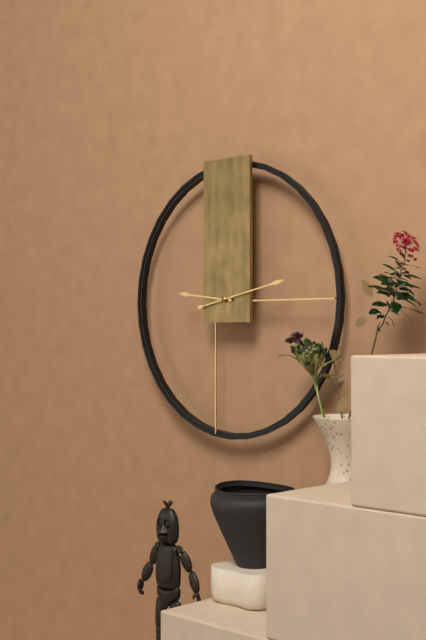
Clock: 9 h 13 min
